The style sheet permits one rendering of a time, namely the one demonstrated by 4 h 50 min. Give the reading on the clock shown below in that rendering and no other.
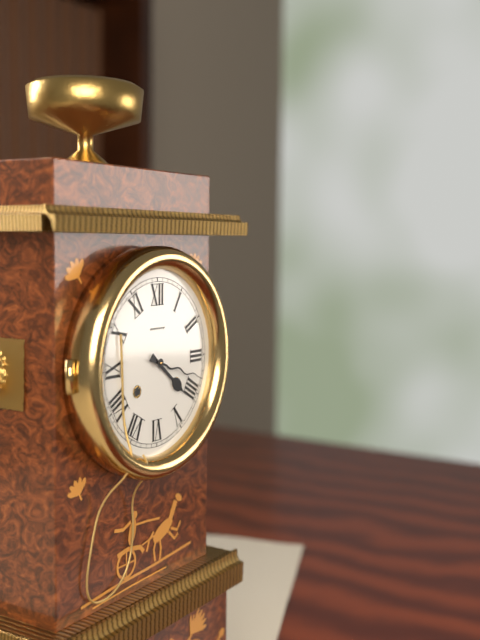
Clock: 4 h 18 min
